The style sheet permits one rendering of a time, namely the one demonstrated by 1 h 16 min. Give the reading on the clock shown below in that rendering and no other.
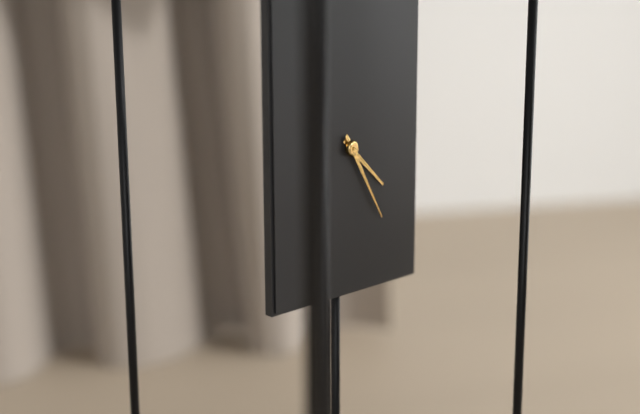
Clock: 4 h 25 min
